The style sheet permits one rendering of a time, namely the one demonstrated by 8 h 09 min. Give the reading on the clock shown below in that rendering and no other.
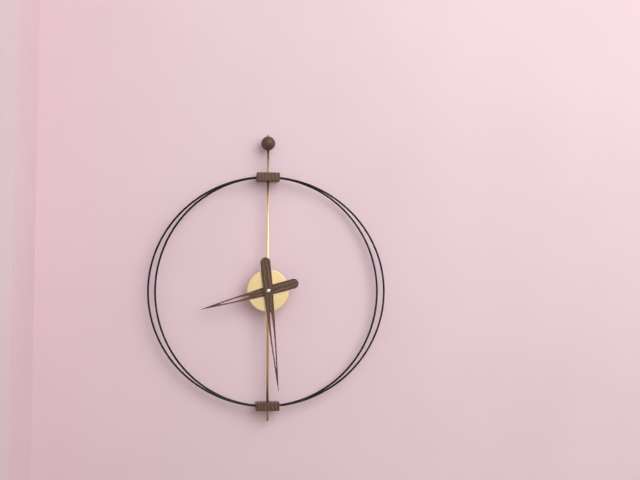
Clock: 8 h 29 min
